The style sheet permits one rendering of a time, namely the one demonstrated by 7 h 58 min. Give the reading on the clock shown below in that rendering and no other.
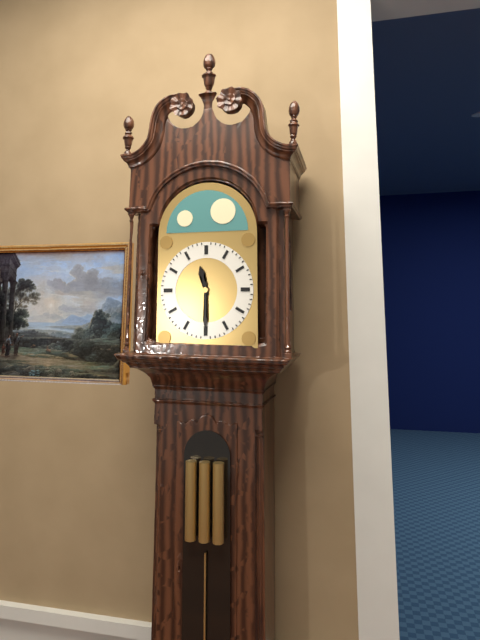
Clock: 11 h 30 min
